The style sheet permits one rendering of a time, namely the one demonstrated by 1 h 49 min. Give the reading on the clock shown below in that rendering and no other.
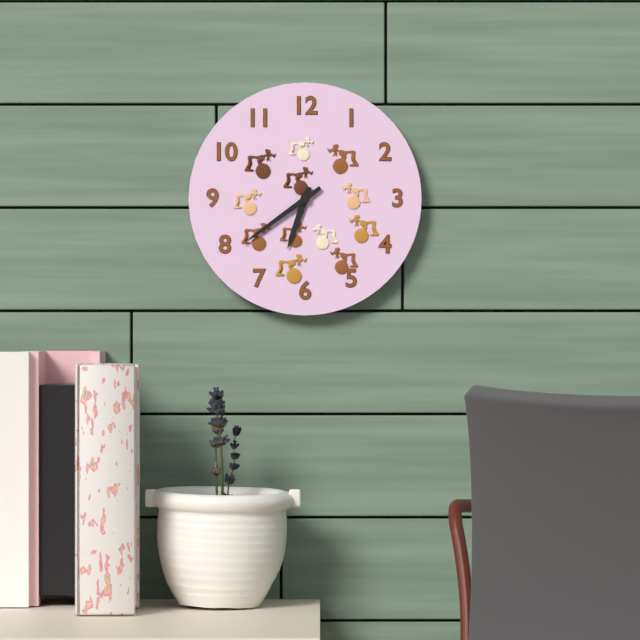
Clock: 6 h 39 min
